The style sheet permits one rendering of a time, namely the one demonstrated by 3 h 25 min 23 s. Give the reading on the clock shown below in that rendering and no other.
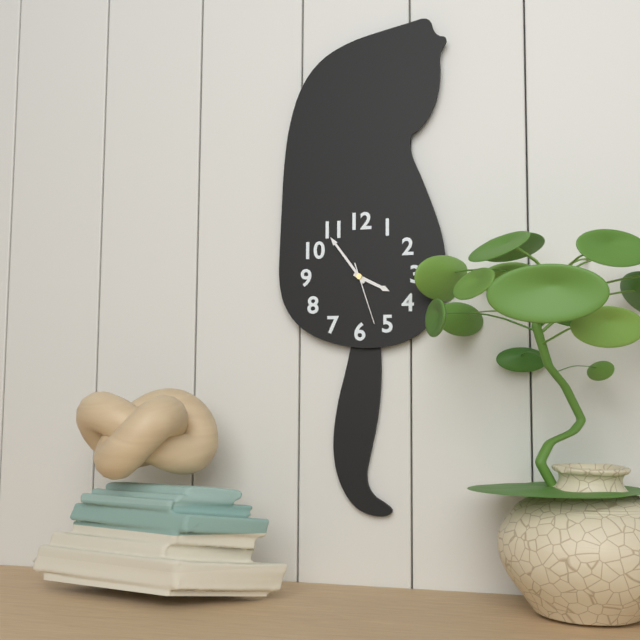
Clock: 3 h 54 min 27 s
